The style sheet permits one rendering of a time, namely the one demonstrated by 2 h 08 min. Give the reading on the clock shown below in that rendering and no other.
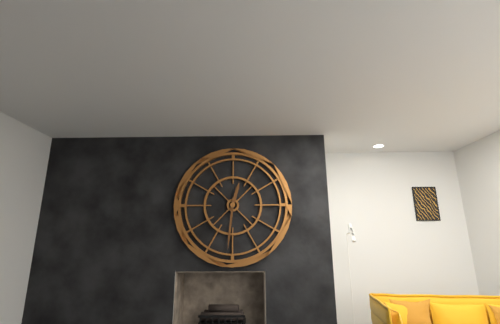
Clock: 12 h 31 min
